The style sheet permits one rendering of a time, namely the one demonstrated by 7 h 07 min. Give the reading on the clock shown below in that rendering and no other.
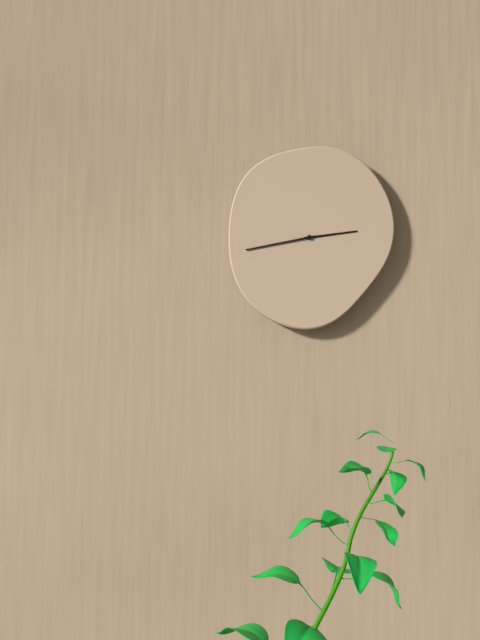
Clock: 2 h 43 min
